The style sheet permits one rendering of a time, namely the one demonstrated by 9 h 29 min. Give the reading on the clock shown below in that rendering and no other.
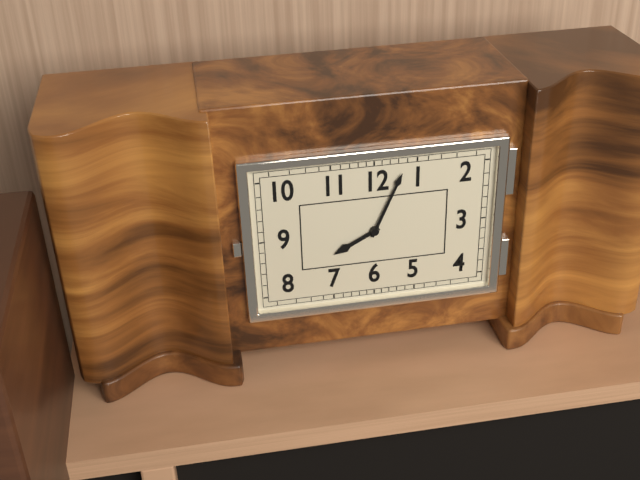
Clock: 8 h 04 min
